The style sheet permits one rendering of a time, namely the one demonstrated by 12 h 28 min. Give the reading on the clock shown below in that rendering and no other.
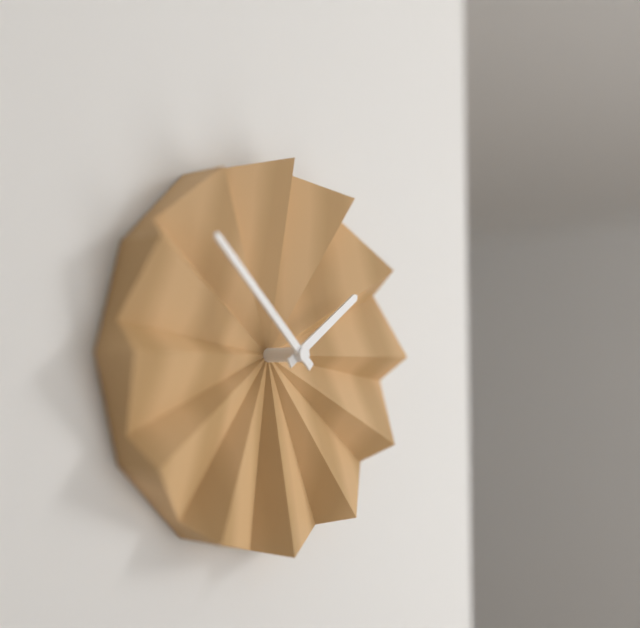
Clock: 1 h 52 min
